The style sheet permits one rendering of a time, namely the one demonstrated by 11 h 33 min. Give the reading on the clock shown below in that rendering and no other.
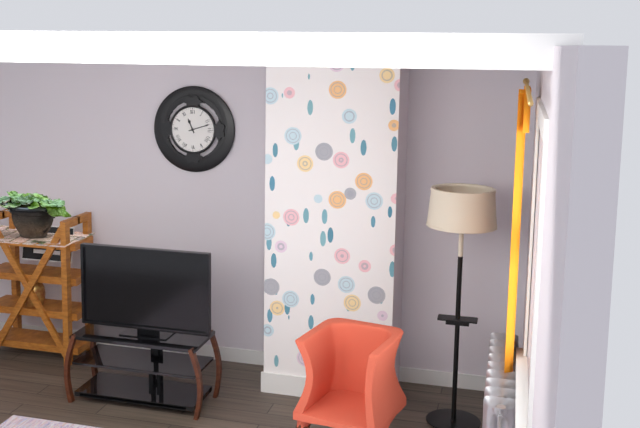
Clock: 11 h 12 min
